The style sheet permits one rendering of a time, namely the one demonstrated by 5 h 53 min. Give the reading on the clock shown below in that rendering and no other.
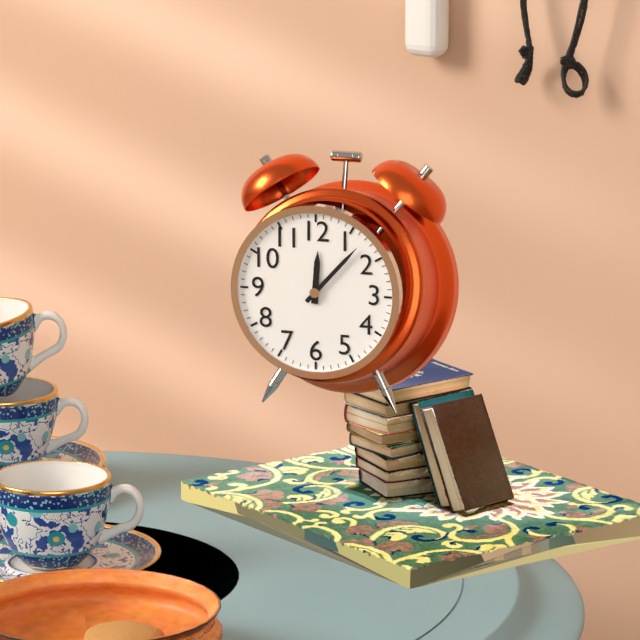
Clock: 12 h 07 min
